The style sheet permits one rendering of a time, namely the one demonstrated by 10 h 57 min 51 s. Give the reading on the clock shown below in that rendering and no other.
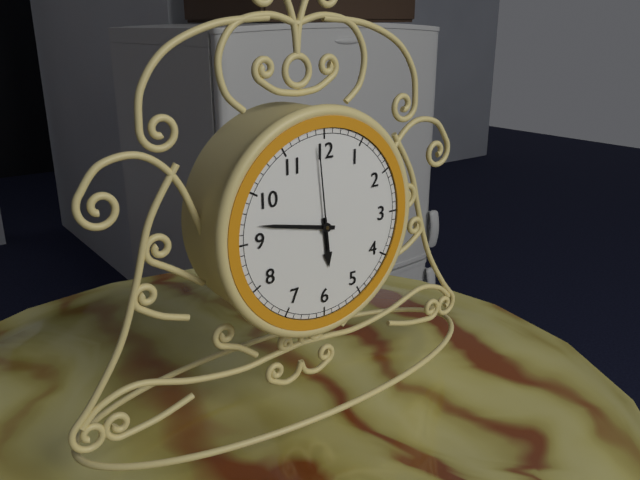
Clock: 5 h 47 min 59 s
